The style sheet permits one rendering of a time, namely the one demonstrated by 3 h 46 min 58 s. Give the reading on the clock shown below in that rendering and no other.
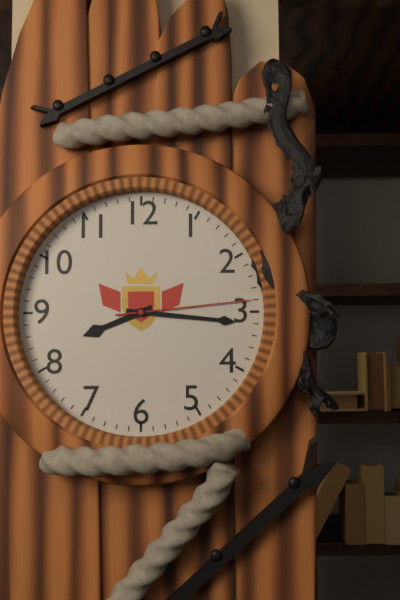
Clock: 8 h 16 min 14 s
